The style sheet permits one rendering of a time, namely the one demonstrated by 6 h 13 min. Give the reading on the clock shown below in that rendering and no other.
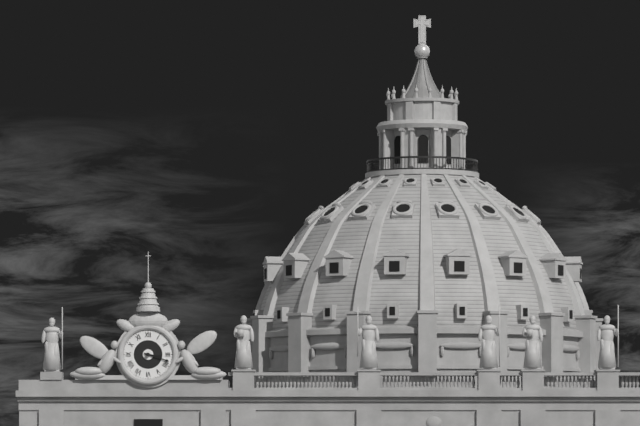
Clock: 3 h 18 min
